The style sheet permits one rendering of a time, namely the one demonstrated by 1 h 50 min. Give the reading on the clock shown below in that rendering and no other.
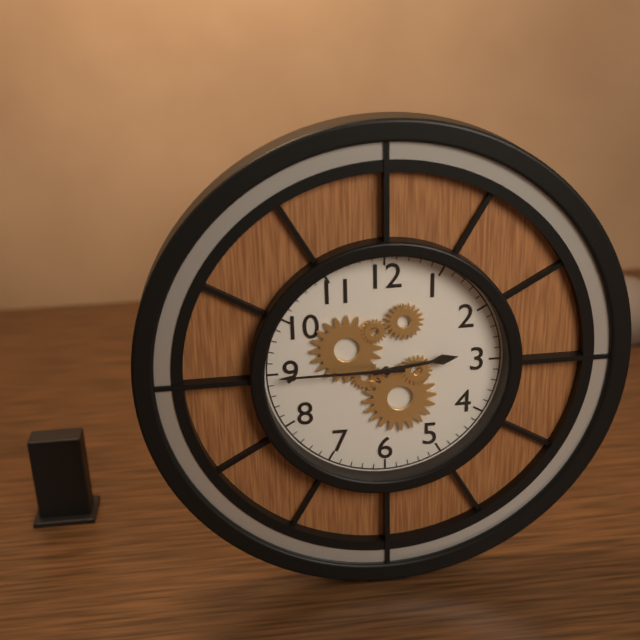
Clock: 2 h 45 min
